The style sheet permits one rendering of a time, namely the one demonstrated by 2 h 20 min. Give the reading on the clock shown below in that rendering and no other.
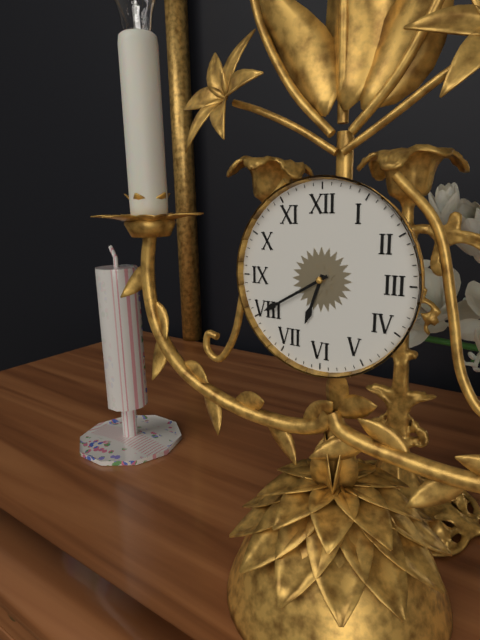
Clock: 6 h 40 min
